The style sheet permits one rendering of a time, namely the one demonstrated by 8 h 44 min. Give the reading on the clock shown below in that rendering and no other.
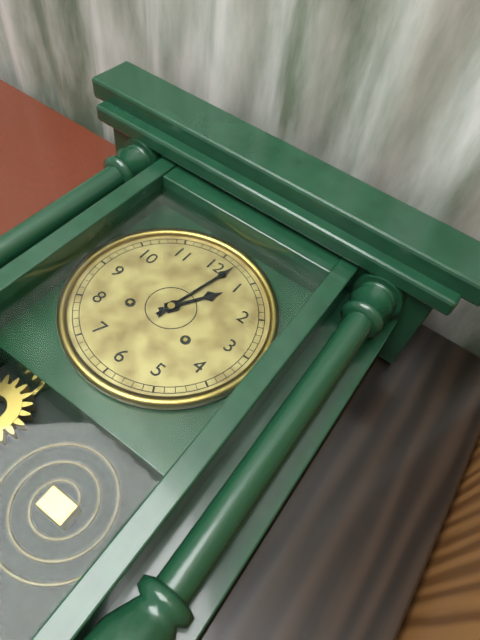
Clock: 1 h 02 min
